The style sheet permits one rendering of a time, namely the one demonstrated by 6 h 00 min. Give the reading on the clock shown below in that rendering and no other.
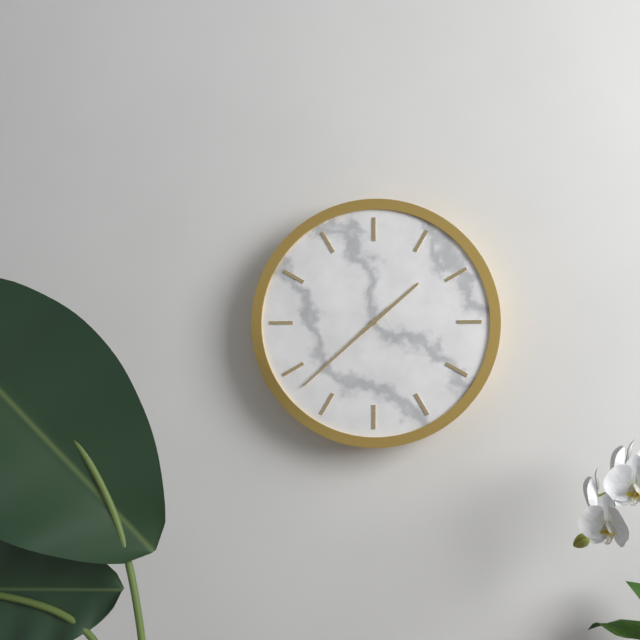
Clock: 1 h 38 min
